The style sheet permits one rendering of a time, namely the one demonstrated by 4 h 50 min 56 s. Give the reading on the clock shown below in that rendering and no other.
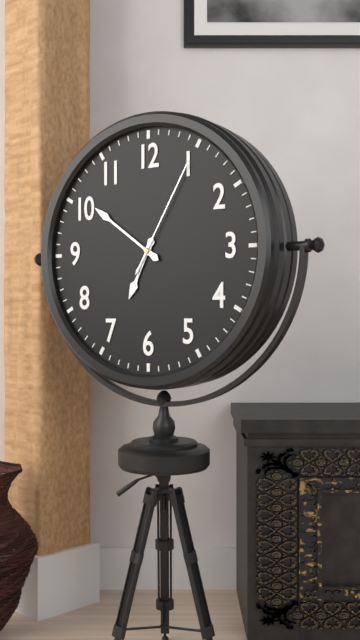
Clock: 6 h 51 min 05 s
